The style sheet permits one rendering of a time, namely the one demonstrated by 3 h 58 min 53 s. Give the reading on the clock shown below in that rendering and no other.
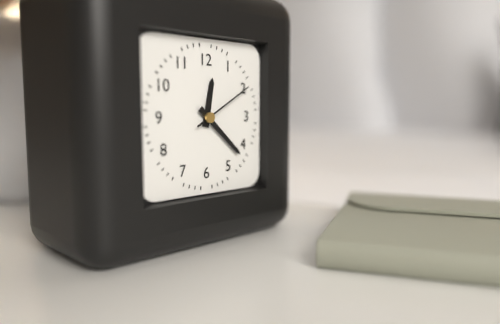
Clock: 12 h 22 min 10 s
